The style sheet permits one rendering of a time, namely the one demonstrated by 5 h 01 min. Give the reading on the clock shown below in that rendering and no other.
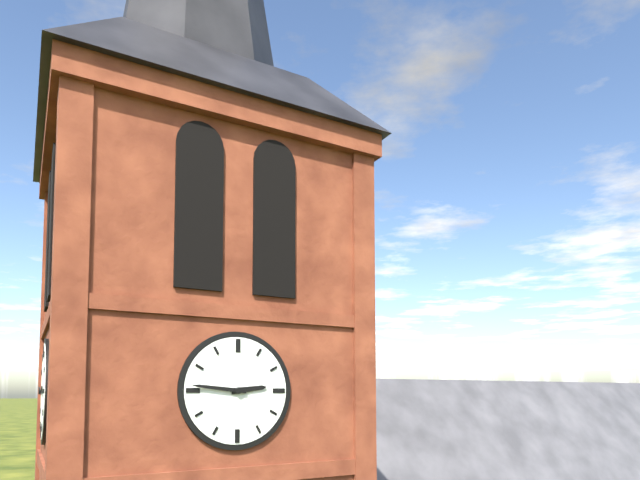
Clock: 2 h 46 min
